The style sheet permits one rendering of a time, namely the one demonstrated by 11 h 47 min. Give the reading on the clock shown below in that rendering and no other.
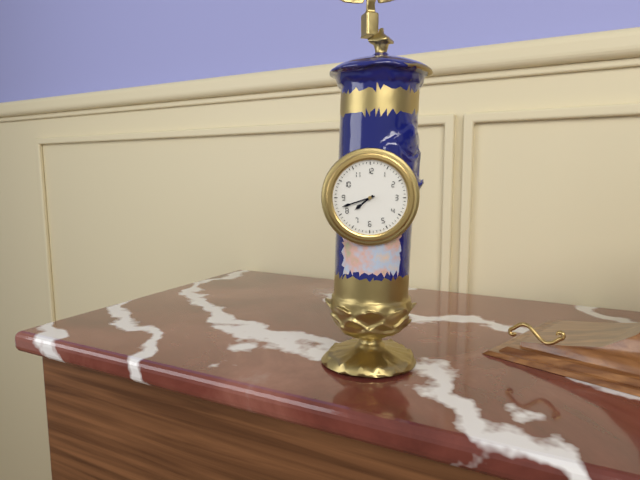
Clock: 7 h 42 min
